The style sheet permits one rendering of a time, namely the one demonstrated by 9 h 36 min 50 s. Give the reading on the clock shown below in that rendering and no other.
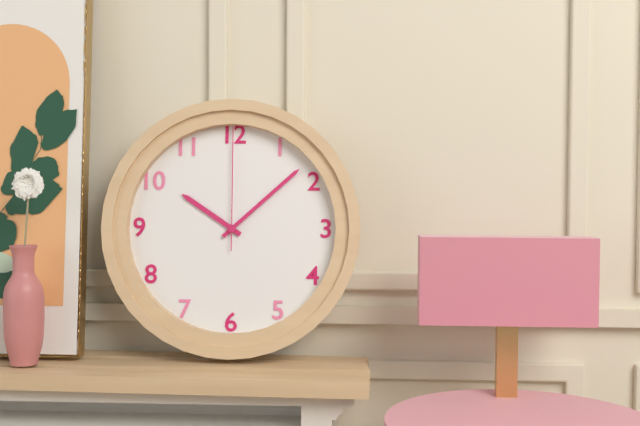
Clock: 10 h 08 min 00 s
